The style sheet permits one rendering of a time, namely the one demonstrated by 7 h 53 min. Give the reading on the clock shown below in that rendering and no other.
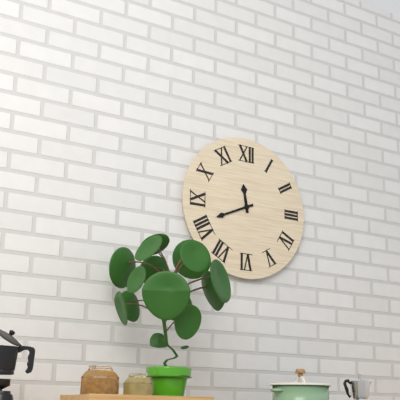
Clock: 11 h 41 min
